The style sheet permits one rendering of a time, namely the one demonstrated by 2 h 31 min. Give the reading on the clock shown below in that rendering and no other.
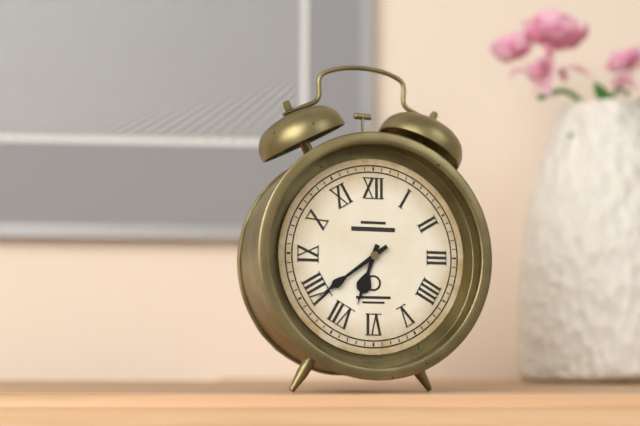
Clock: 6 h 39 min
